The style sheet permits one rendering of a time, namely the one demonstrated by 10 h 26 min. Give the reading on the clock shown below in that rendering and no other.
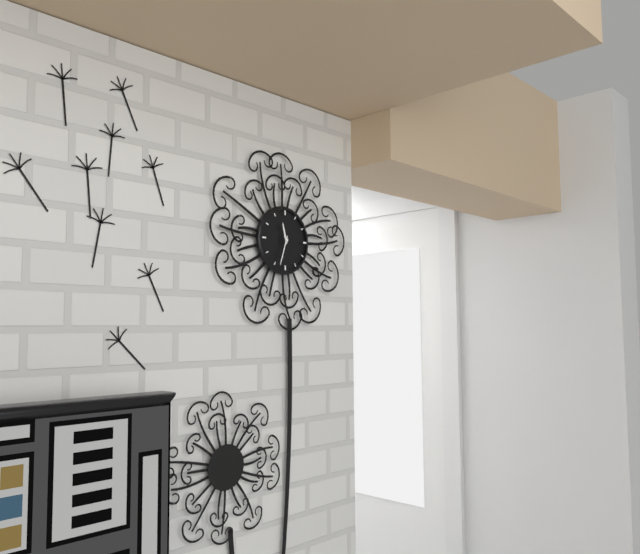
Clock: 11 h 33 min
